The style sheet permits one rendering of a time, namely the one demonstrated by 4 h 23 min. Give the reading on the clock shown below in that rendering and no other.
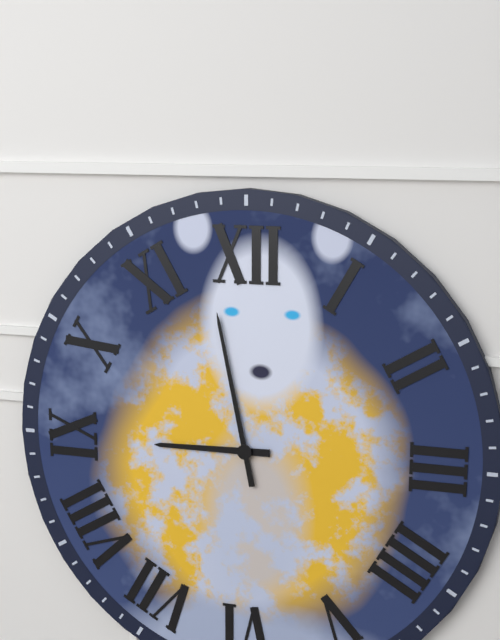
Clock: 8 h 58 min
